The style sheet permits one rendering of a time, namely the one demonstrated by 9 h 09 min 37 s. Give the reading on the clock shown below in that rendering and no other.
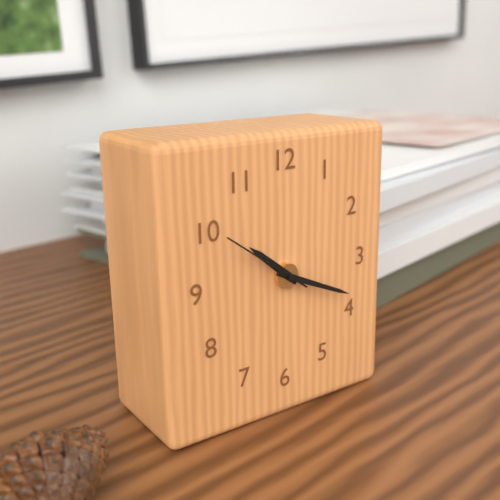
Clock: 10 h 19 min 51 s
